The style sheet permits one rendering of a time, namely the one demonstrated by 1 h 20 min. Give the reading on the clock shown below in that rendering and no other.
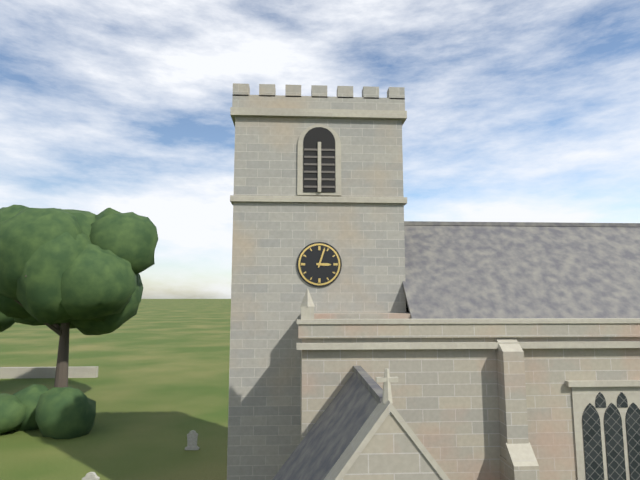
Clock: 3 h 03 min
